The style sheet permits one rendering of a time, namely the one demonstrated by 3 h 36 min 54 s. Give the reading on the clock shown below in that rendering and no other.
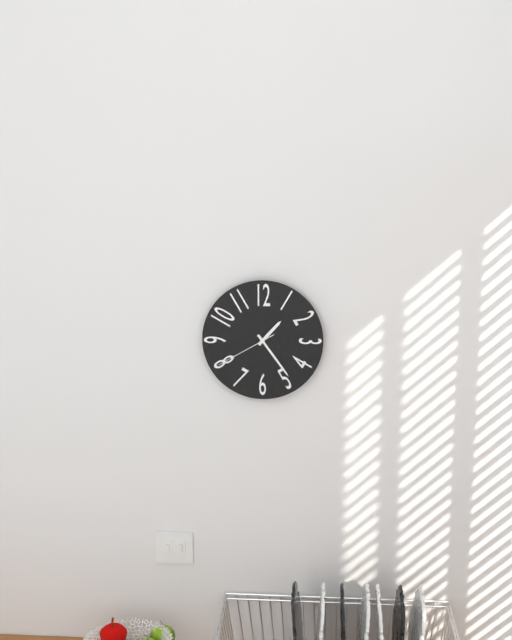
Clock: 1 h 24 min 40 s
